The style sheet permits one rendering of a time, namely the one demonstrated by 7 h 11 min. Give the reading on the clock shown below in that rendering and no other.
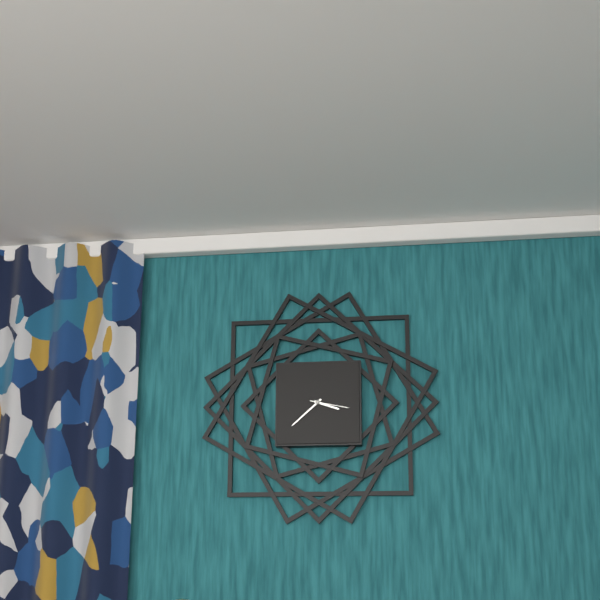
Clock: 3 h 38 min
